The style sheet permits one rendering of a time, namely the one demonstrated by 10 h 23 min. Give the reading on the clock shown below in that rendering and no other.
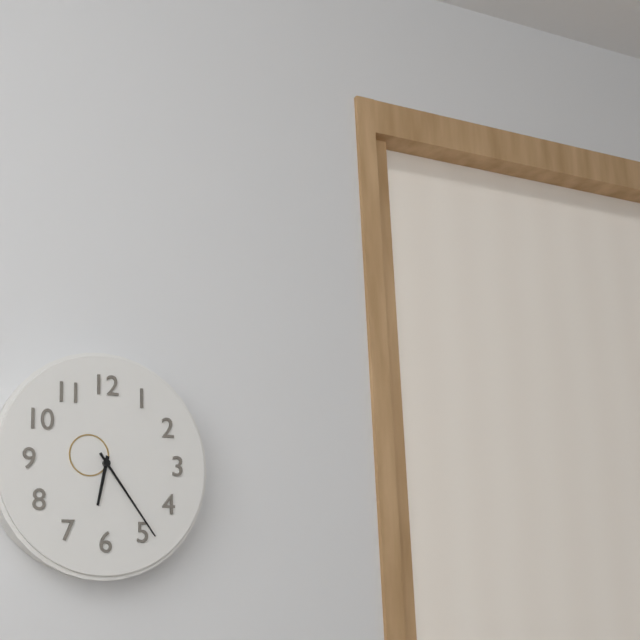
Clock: 6 h 24 min
